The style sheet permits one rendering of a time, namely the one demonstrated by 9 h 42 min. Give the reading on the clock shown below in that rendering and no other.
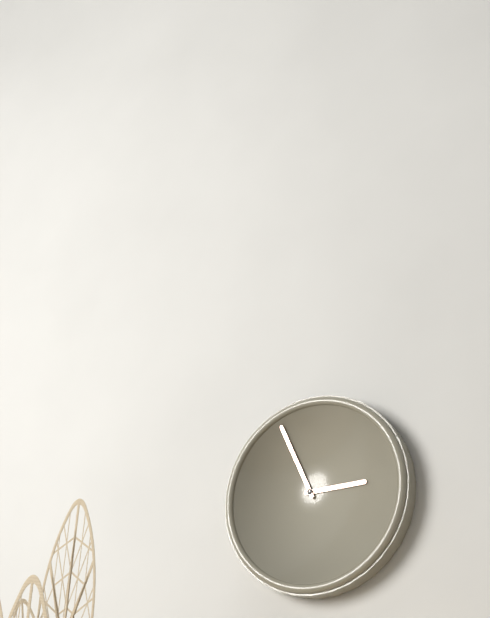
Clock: 2 h 56 min
